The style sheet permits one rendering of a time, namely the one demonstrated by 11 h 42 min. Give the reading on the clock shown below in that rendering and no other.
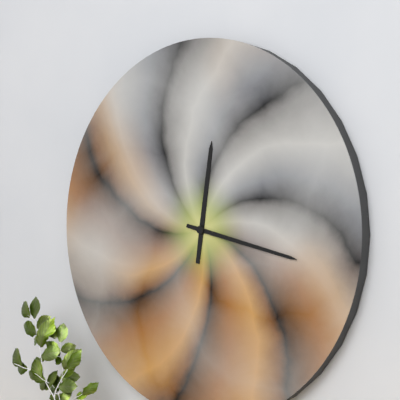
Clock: 12 h 17 min
